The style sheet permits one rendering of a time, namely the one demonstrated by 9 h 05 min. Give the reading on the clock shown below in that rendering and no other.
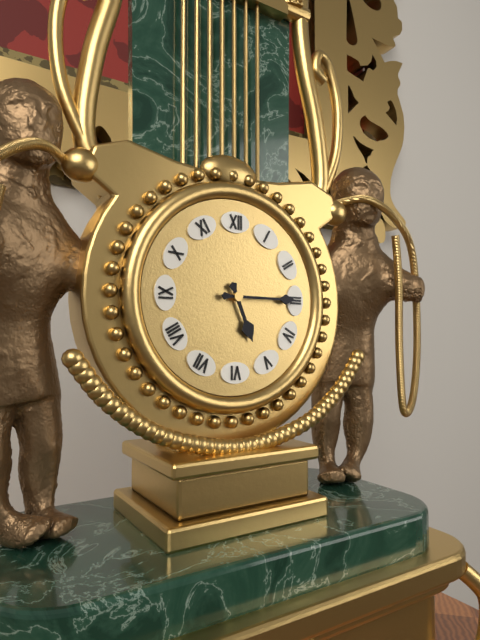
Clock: 5 h 15 min
